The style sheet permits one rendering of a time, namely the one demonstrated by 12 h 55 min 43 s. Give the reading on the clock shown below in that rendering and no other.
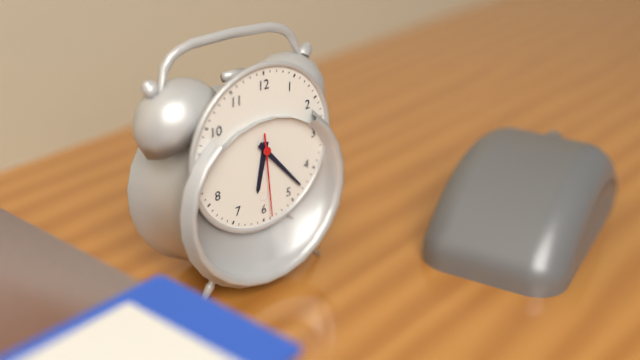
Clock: 6 h 23 min 29 s
